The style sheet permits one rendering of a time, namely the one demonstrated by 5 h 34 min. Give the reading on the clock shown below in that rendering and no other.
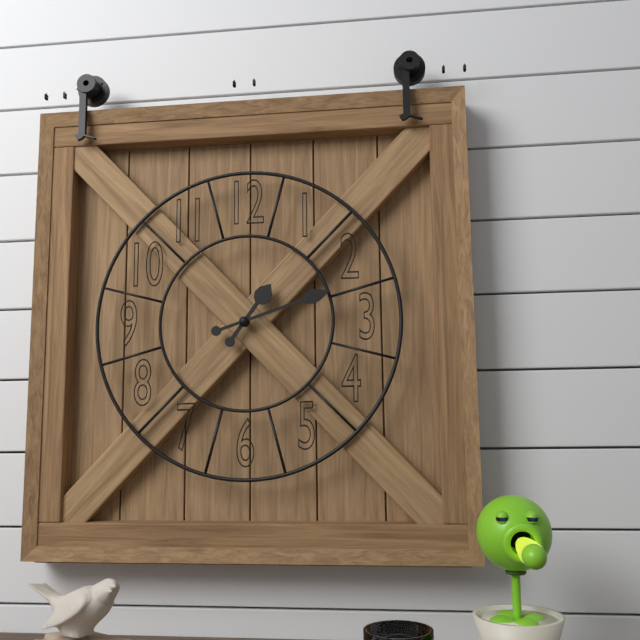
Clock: 1 h 12 min
